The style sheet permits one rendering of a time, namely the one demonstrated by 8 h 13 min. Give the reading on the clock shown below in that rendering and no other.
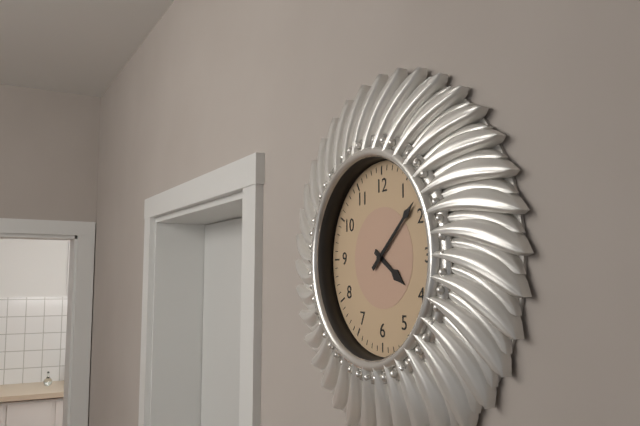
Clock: 4 h 08 min
